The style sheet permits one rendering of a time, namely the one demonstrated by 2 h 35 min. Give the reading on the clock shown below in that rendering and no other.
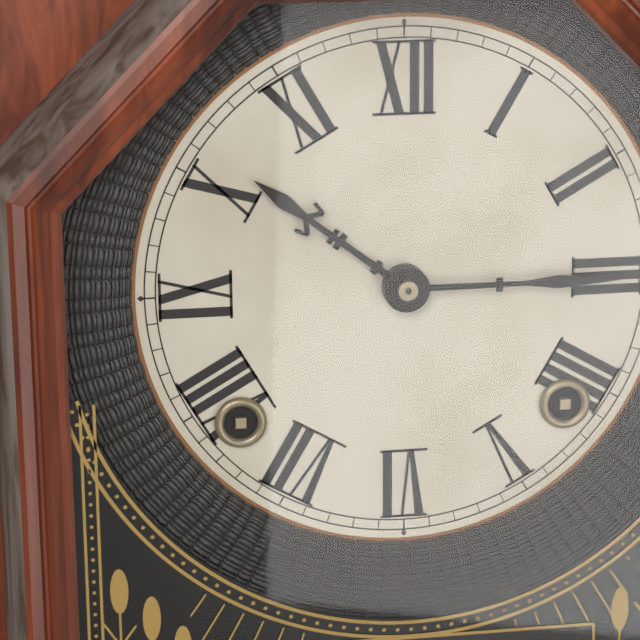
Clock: 10 h 15 min
